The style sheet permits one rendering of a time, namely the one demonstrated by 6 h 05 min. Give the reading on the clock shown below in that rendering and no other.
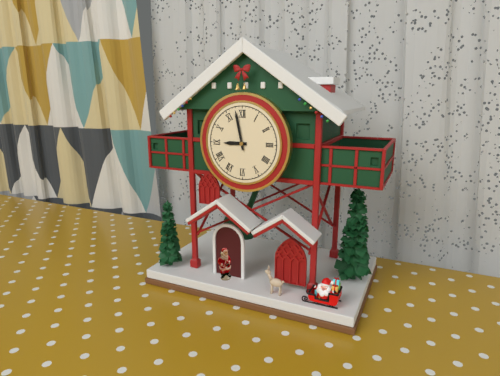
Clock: 8 h 58 min
